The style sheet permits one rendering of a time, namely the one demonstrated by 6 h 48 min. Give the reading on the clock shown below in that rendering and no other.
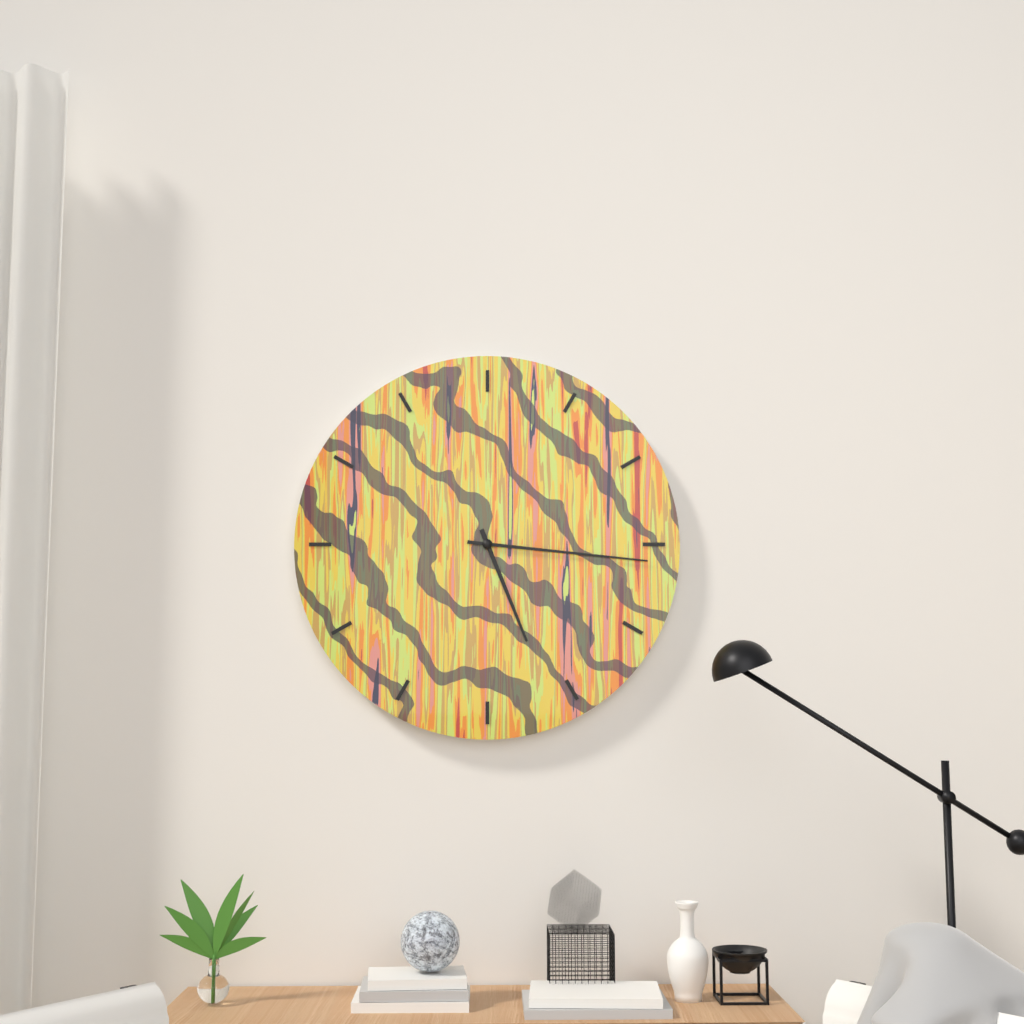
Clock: 5 h 16 min
